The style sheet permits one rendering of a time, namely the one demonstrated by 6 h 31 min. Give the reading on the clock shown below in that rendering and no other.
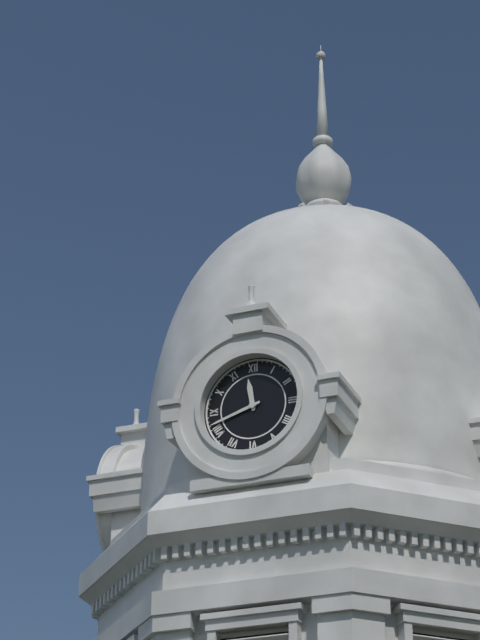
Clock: 11 h 42 min
